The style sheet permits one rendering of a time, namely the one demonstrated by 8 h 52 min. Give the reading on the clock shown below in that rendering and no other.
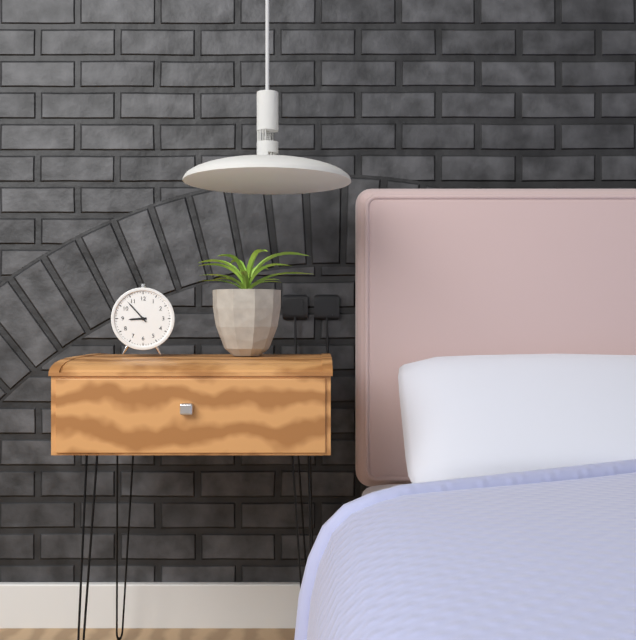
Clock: 8 h 53 min
